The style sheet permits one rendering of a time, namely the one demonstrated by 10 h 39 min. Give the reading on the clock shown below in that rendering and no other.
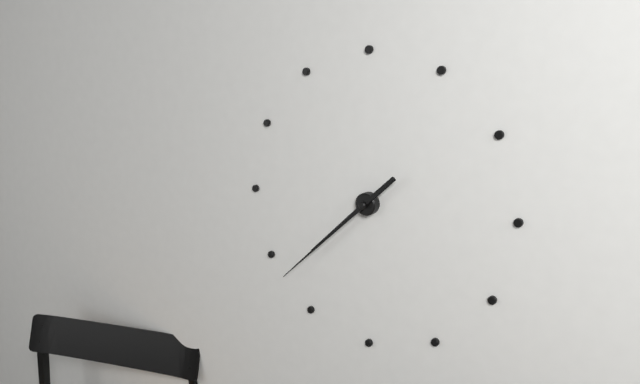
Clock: 7 h 38 min
